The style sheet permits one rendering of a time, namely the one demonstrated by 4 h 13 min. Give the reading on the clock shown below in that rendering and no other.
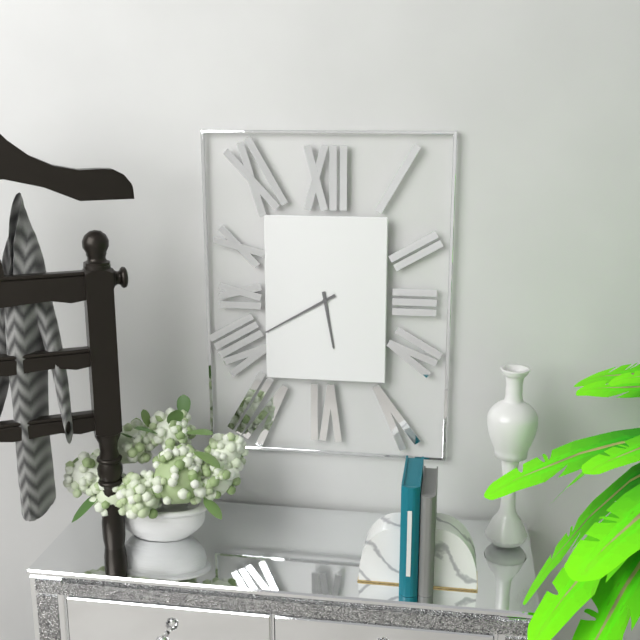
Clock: 5 h 40 min
